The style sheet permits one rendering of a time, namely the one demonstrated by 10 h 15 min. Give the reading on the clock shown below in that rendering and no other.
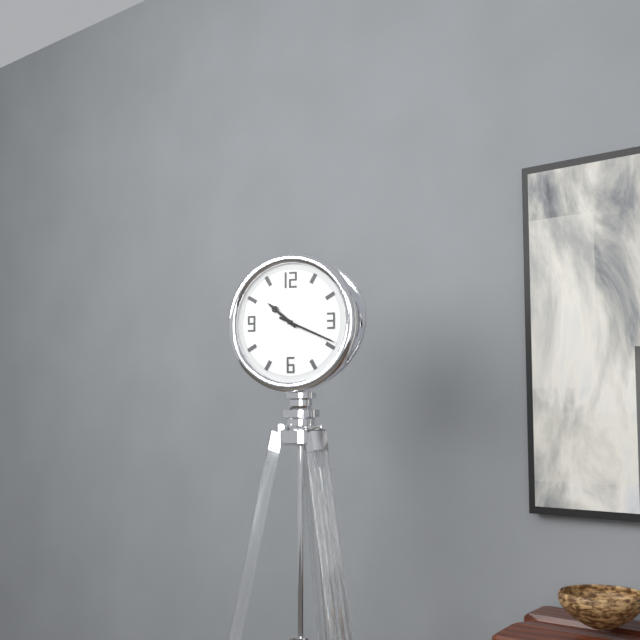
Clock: 10 h 19 min
